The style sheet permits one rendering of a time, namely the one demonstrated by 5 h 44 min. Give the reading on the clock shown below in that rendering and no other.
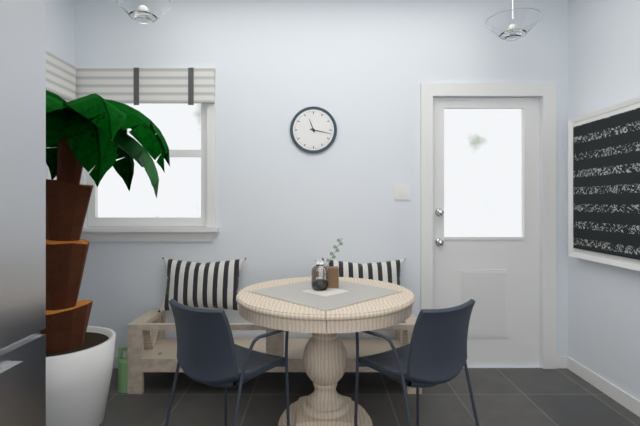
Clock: 11 h 17 min
